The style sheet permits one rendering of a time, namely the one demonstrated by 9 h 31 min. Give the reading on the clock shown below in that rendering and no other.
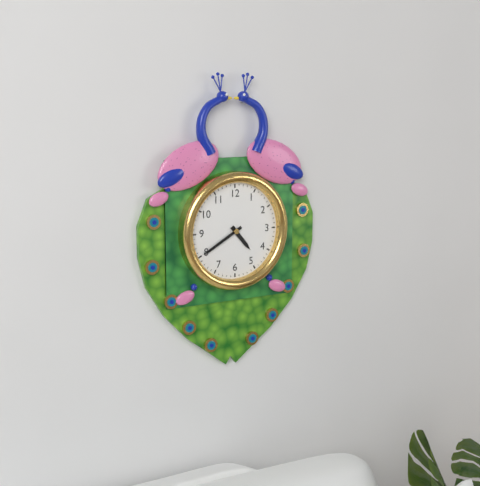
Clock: 4 h 40 min
